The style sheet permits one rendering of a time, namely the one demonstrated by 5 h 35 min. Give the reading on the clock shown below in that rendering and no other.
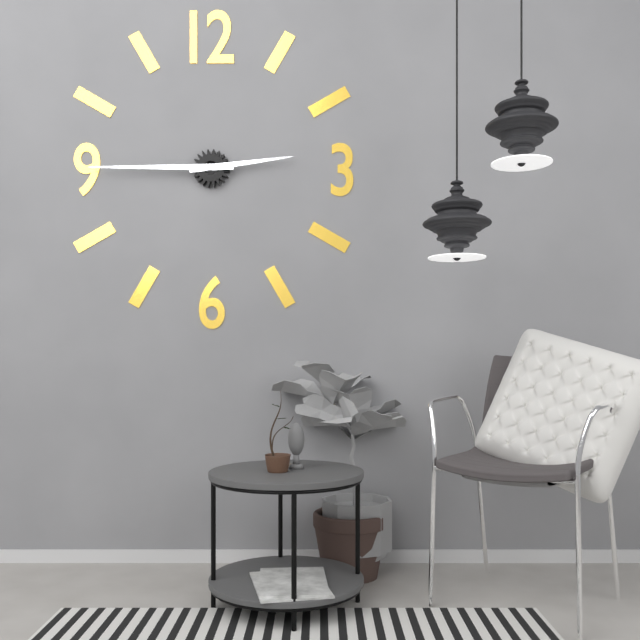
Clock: 2 h 45 min
